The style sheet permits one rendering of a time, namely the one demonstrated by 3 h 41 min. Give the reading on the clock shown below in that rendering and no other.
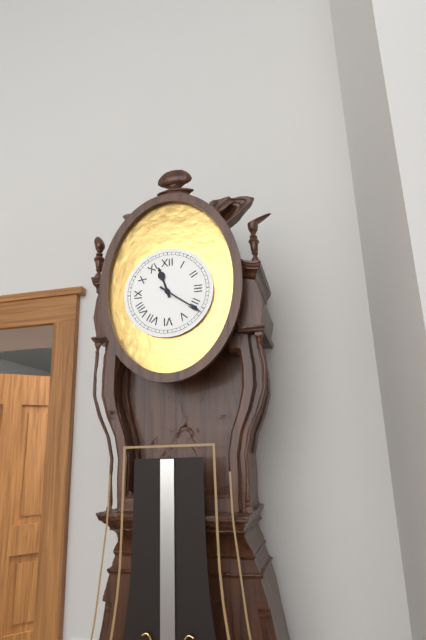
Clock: 11 h 21 min
